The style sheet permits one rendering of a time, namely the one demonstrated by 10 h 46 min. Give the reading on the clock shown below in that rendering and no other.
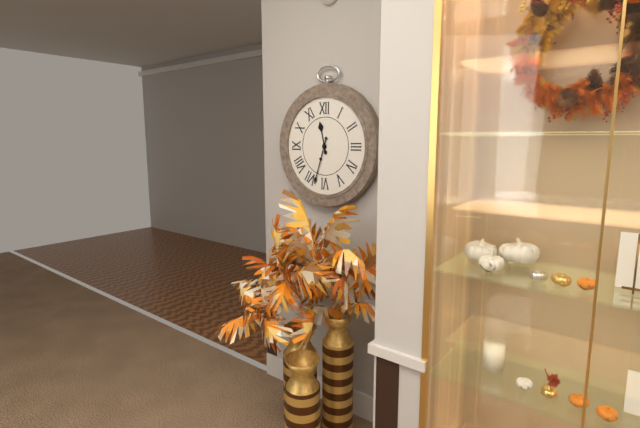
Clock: 11 h 33 min
